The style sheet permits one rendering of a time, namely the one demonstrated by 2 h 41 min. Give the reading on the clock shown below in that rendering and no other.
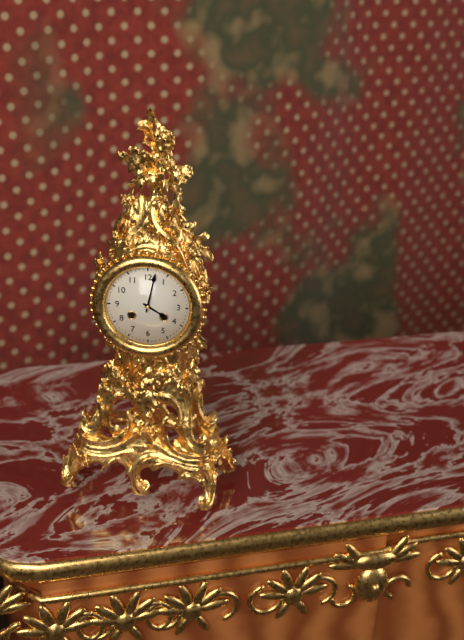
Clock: 4 h 02 min
